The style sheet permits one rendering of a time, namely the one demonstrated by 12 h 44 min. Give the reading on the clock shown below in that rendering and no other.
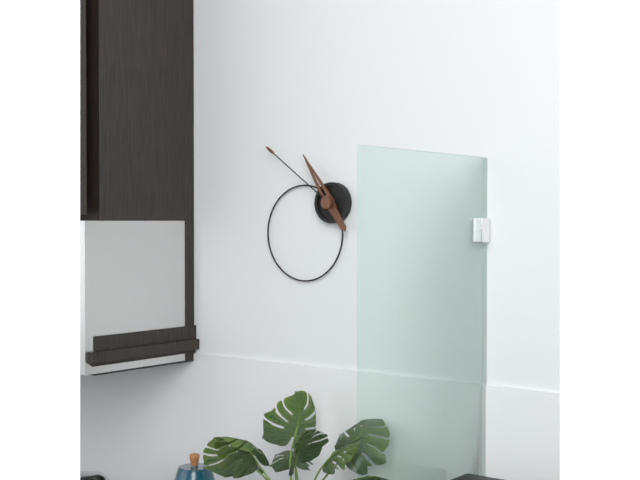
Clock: 10 h 51 min
